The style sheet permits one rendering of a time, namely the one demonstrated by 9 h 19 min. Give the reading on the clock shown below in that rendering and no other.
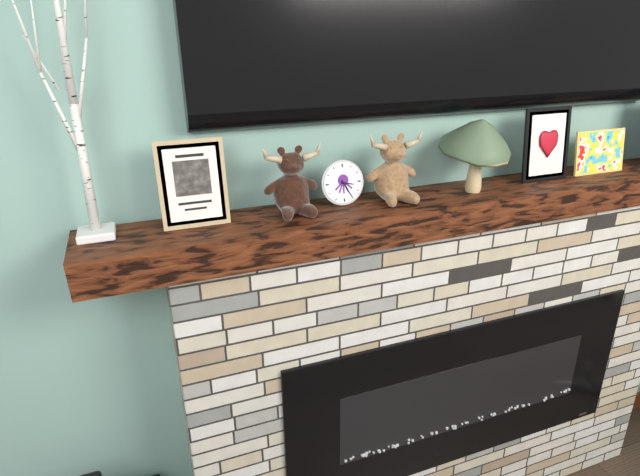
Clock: 3 h 25 min
